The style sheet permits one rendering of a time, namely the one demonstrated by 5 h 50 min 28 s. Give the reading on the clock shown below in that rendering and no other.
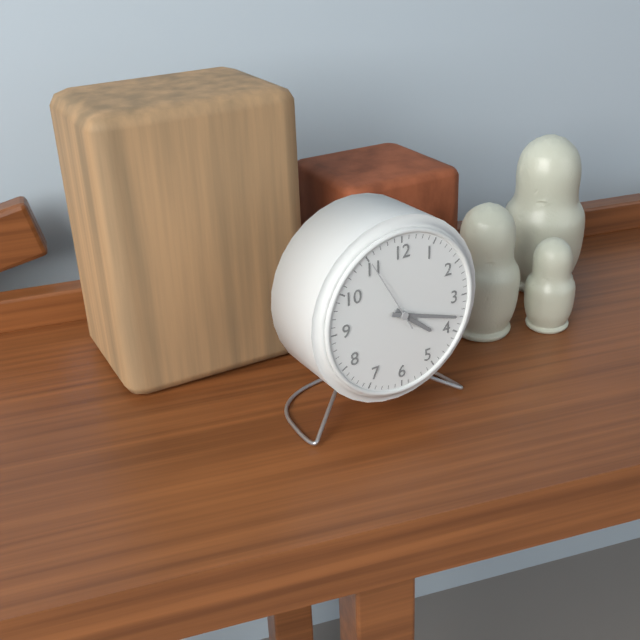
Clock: 4 h 18 min 55 s
